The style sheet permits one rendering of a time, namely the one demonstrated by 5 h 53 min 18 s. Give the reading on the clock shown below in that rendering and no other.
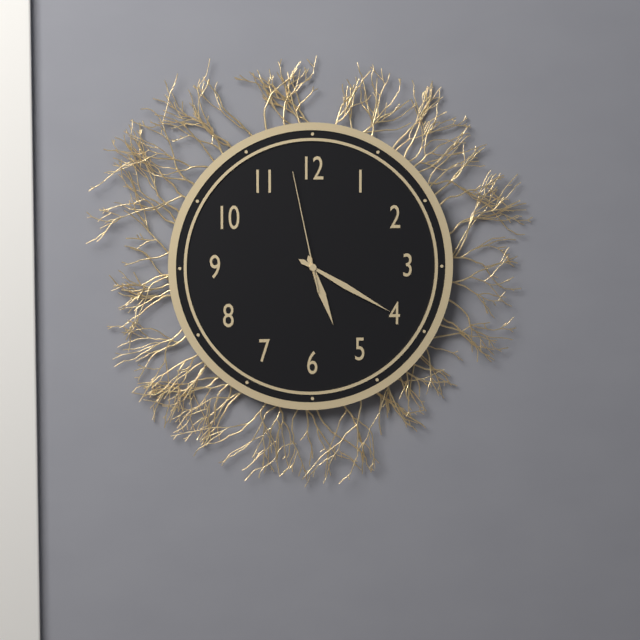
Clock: 5 h 20 min 58 s
